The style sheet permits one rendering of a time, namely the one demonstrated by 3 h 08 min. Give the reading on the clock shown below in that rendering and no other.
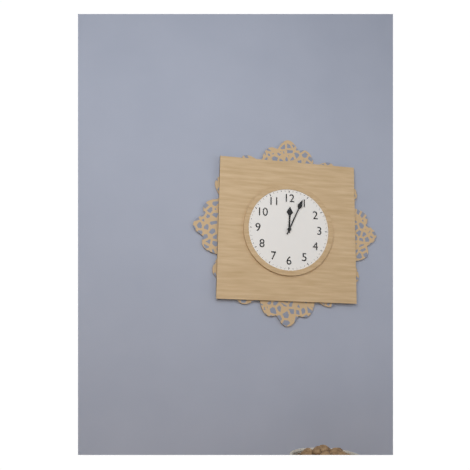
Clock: 12 h 04 min
